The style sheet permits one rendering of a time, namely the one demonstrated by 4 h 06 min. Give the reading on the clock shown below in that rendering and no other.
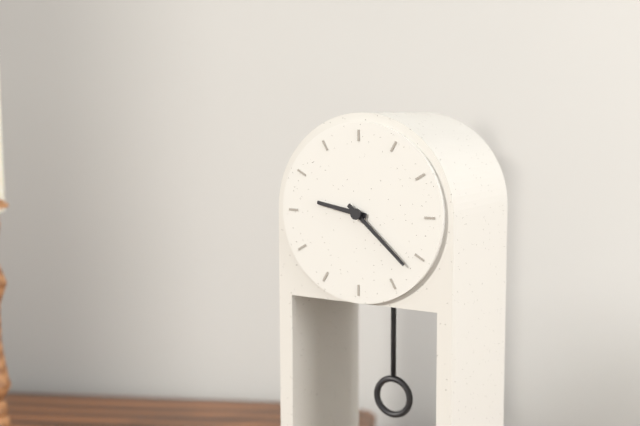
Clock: 9 h 22 min
